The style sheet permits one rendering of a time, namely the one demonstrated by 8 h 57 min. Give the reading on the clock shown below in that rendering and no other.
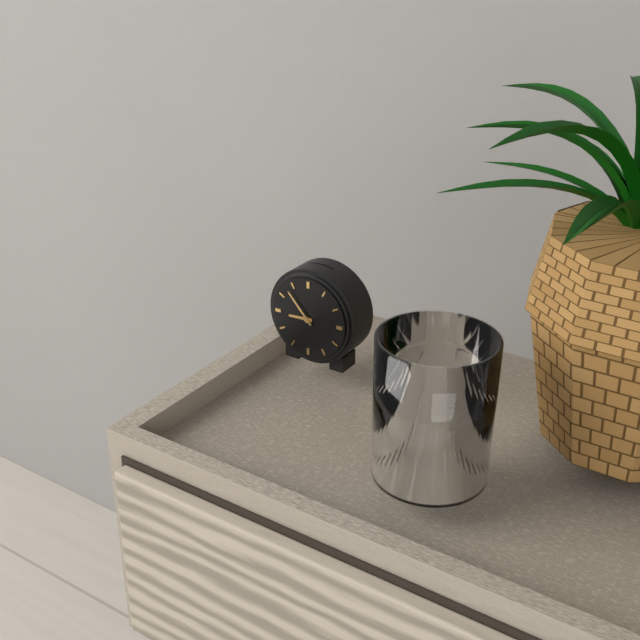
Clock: 8 h 53 min
